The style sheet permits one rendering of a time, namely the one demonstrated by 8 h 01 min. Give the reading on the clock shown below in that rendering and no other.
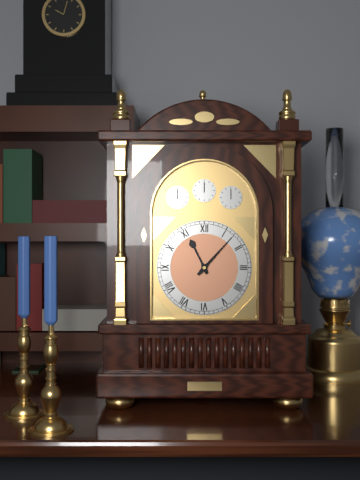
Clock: 11 h 07 min
